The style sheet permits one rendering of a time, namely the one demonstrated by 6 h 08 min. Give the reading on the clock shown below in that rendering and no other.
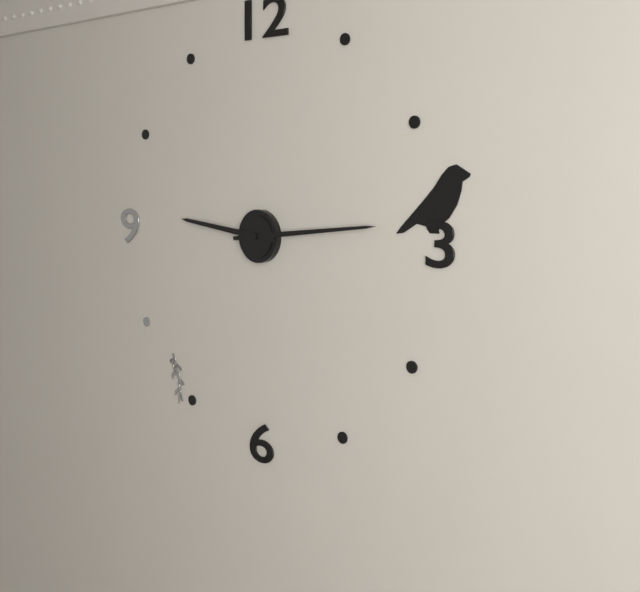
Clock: 9 h 14 min
